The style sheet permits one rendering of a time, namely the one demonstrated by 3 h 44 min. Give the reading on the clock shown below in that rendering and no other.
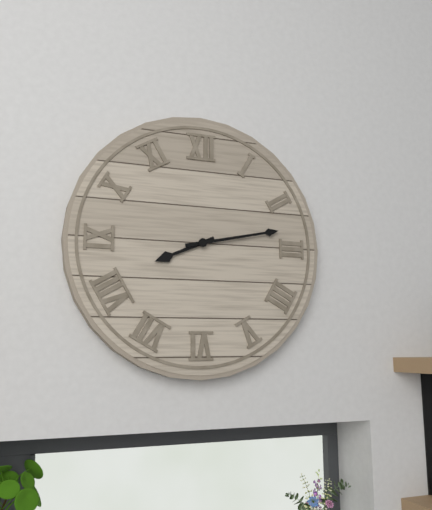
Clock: 8 h 13 min
